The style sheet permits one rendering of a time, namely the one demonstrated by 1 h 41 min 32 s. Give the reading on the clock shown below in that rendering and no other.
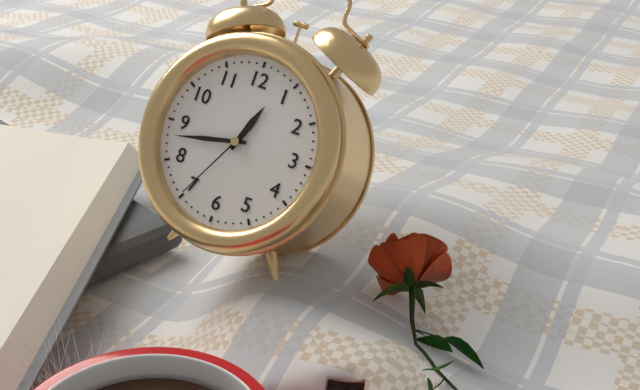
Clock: 12 h 43 min 35 s
